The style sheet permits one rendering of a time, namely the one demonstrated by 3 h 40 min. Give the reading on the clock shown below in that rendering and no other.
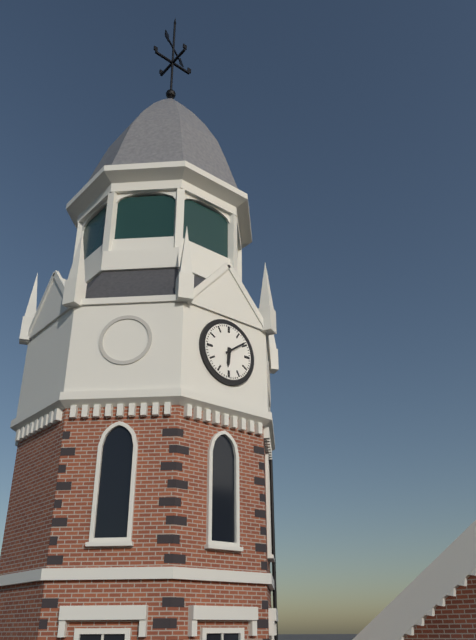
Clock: 6 h 09 min
